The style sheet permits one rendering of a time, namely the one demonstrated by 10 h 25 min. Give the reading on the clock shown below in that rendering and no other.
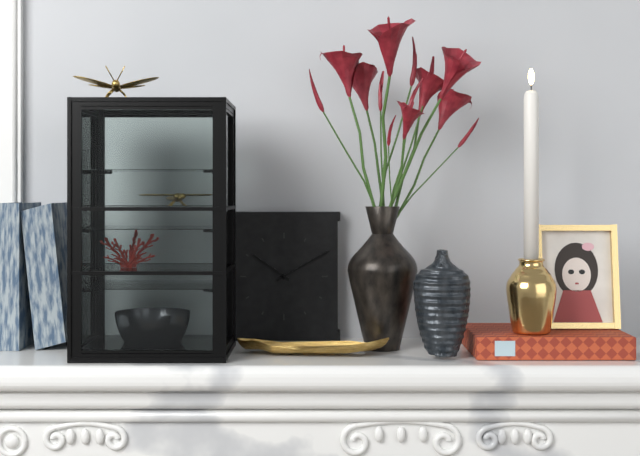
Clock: 10 h 10 min
